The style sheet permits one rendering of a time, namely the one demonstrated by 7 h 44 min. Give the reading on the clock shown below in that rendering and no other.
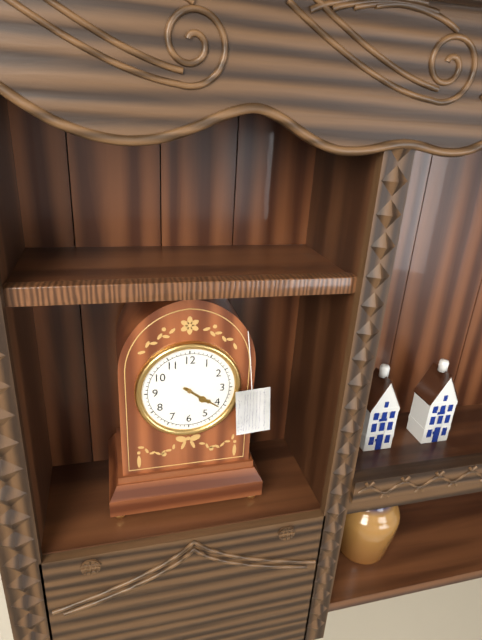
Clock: 4 h 21 min
